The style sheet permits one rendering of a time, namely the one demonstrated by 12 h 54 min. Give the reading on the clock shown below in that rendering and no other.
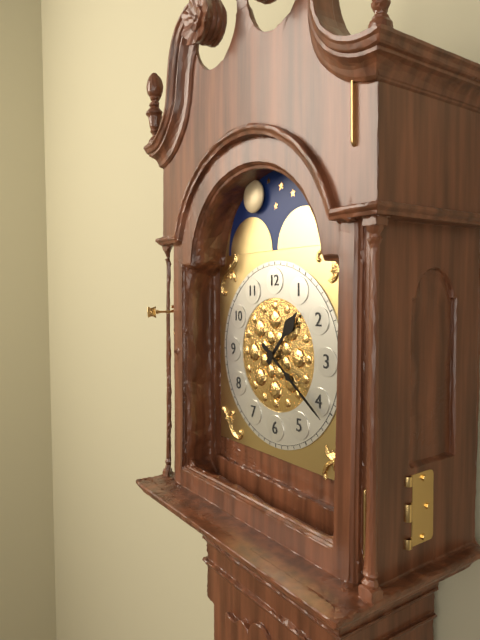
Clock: 1 h 21 min
